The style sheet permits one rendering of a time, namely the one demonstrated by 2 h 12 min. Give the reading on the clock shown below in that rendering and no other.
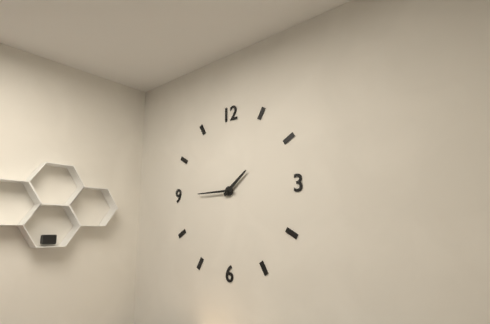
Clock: 1 h 45 min
